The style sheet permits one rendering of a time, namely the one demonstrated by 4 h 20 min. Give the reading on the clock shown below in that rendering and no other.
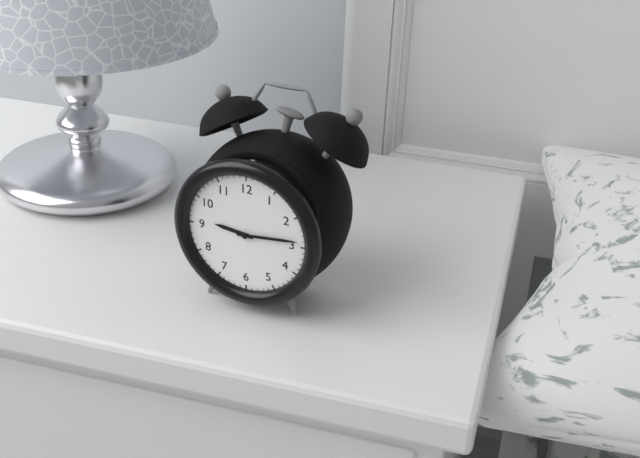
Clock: 9 h 14 min
